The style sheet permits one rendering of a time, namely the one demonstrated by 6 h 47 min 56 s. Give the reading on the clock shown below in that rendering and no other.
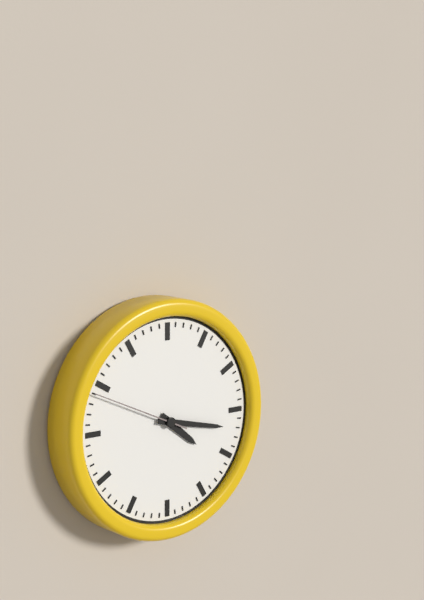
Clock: 4 h 17 min 49 s
